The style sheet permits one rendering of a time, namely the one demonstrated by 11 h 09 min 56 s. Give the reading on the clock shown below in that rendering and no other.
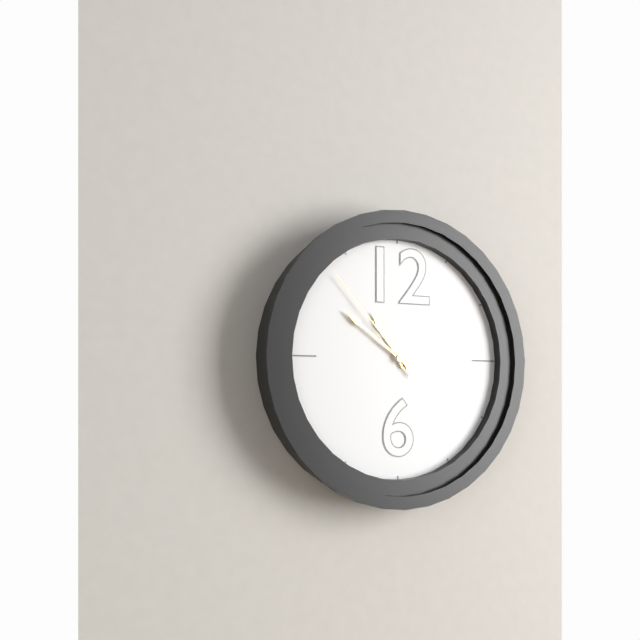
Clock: 10 h 51 min 53 s
